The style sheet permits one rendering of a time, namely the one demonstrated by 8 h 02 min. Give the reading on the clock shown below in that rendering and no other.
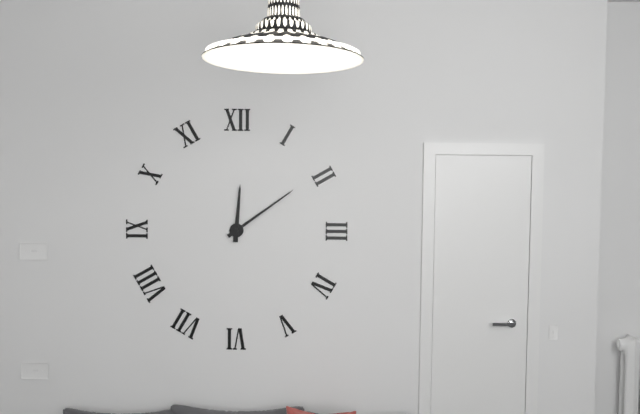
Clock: 12 h 09 min
